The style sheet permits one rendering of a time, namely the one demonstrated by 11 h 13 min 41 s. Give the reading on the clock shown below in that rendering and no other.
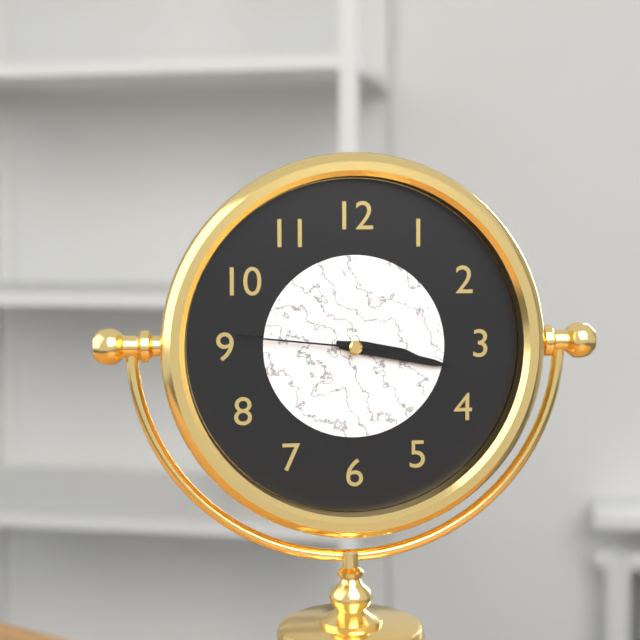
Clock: 3 h 17 min 46 s
